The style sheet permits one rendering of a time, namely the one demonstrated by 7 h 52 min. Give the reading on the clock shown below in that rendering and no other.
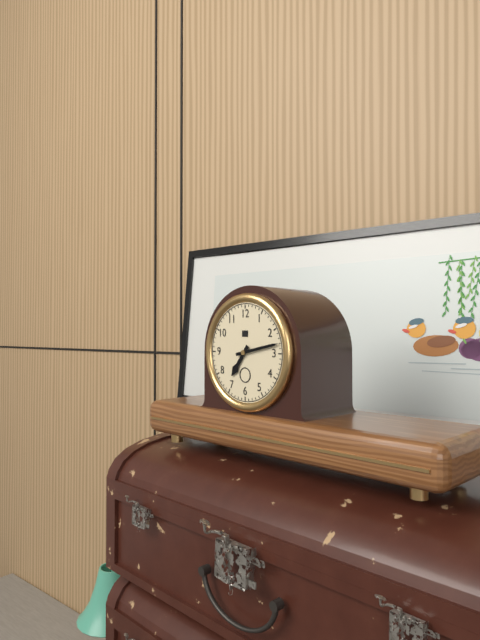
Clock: 7 h 13 min
